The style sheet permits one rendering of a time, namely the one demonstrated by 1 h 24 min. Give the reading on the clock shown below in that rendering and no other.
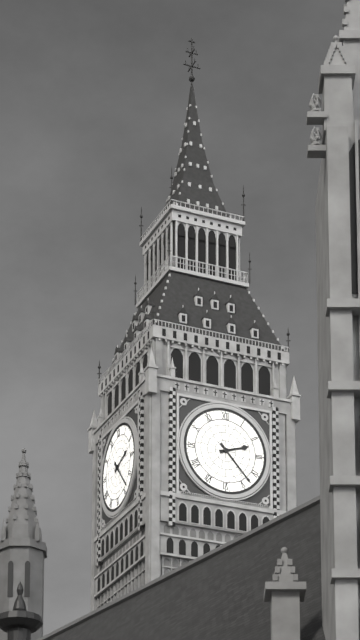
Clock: 2 h 23 min
